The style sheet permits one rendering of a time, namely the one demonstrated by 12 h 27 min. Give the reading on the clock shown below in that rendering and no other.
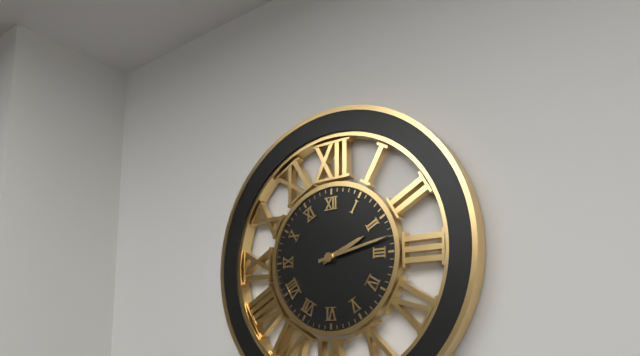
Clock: 2 h 13 min
